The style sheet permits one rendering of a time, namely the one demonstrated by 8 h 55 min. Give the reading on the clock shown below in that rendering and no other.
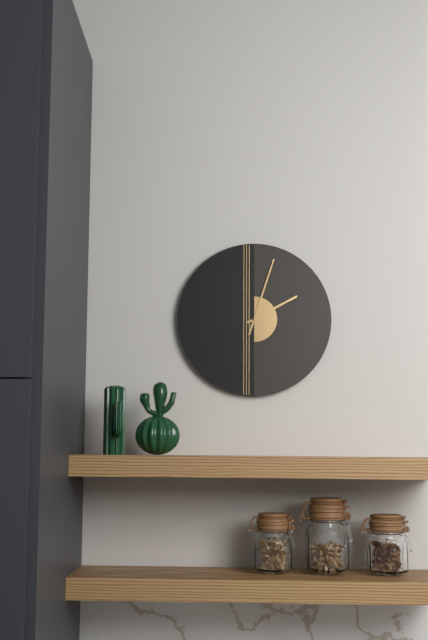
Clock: 2 h 03 min
